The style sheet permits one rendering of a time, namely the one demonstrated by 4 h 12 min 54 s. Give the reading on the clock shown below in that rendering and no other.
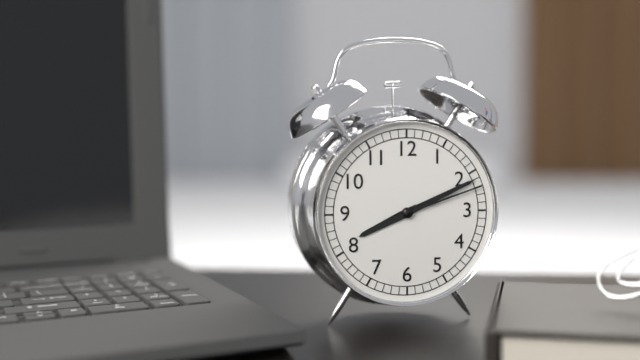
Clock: 8 h 11 min 12 s
